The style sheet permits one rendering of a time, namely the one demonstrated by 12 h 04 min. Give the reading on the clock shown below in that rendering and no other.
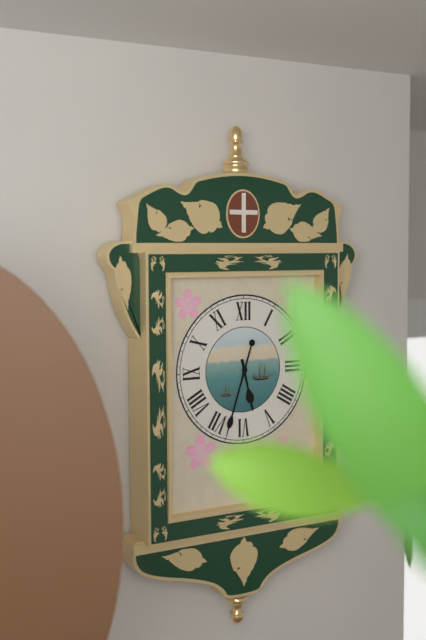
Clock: 5 h 33 min
